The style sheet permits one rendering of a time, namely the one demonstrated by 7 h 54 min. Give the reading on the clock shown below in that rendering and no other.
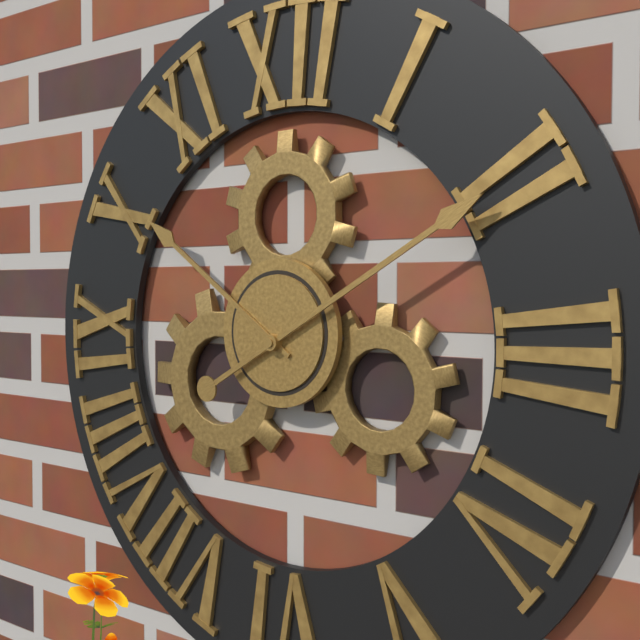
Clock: 10 h 10 min
